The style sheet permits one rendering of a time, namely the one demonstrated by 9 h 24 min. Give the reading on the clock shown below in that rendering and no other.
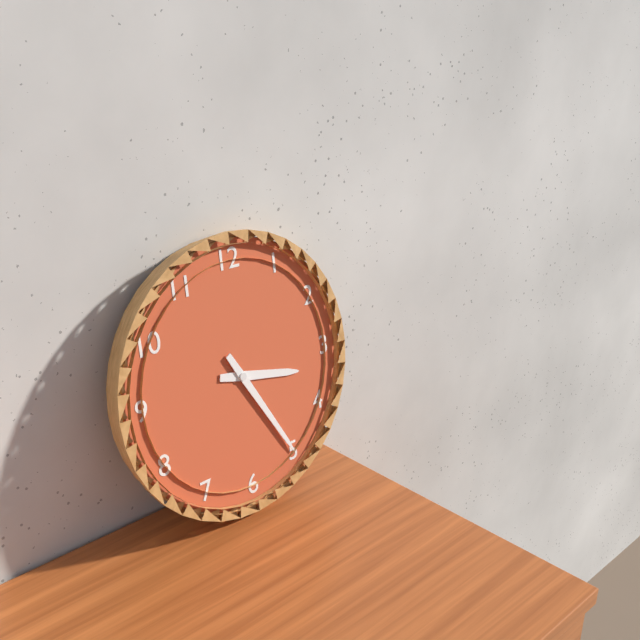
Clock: 3 h 25 min
